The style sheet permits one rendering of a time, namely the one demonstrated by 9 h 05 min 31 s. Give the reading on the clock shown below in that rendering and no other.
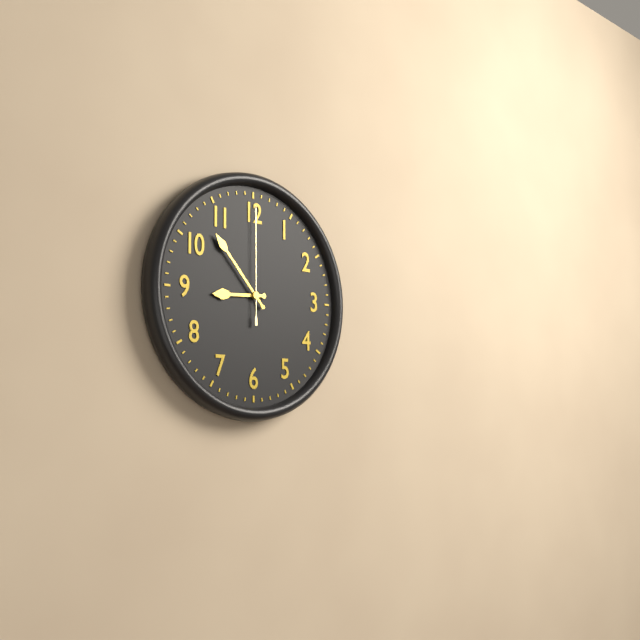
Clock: 8 h 53 min 00 s
